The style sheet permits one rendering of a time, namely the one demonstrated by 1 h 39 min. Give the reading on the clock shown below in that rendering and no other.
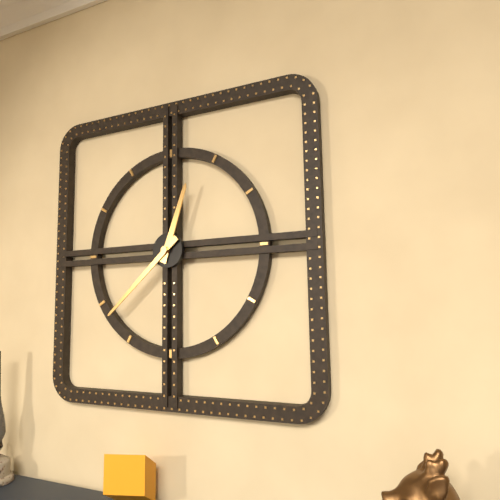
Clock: 12 h 38 min
